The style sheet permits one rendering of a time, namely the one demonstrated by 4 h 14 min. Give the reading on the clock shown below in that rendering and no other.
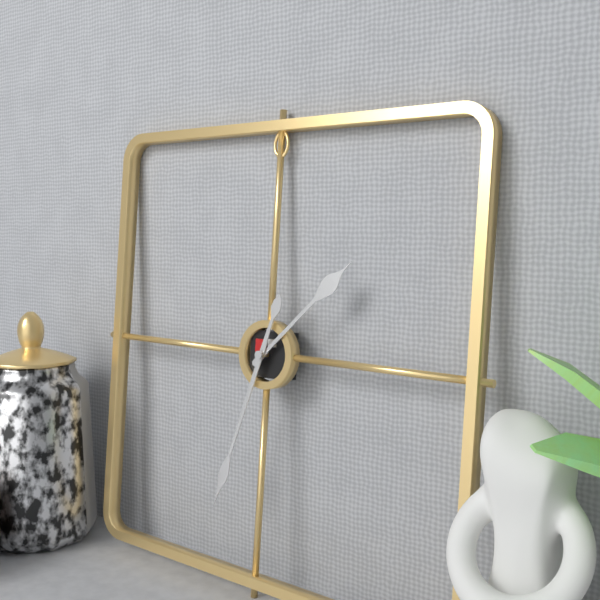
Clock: 1 h 33 min
